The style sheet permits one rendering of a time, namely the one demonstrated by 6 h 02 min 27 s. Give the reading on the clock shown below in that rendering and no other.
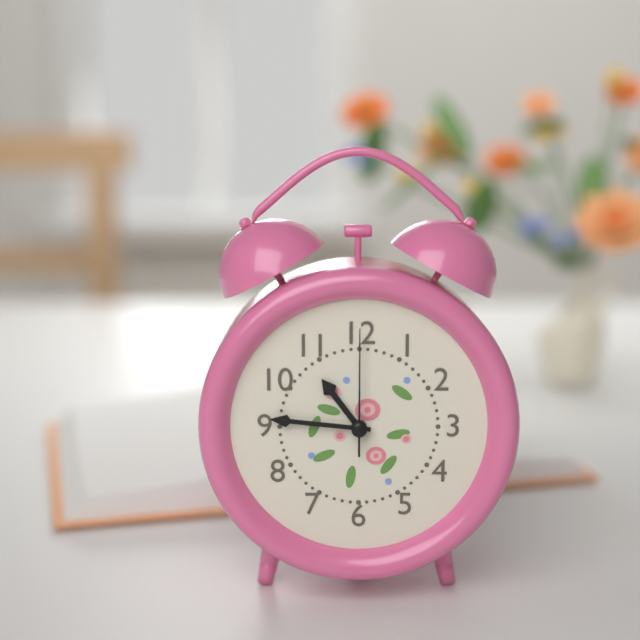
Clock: 10 h 46 min 00 s
